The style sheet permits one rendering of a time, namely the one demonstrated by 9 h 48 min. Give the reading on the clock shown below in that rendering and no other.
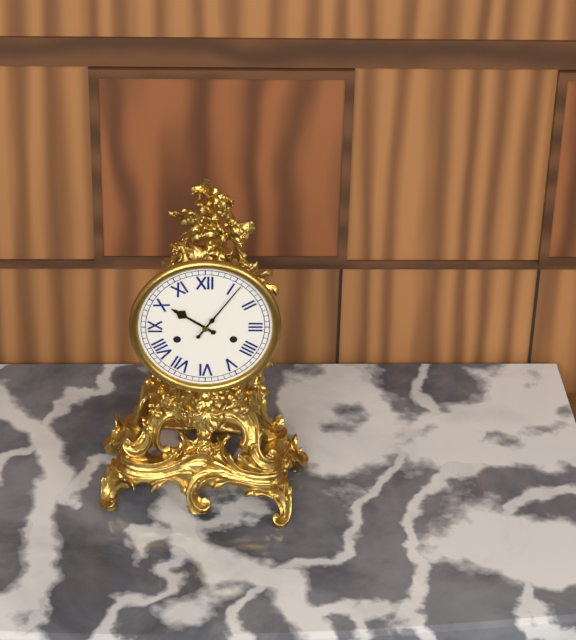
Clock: 10 h 06 min
